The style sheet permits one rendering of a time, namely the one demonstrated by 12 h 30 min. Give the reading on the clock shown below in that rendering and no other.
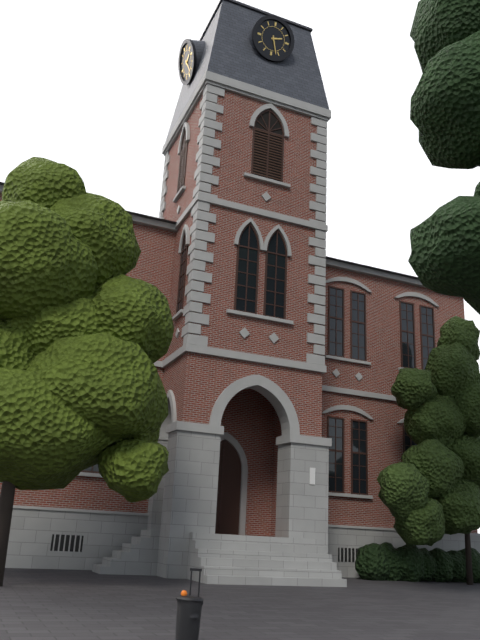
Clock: 2 h 27 min
